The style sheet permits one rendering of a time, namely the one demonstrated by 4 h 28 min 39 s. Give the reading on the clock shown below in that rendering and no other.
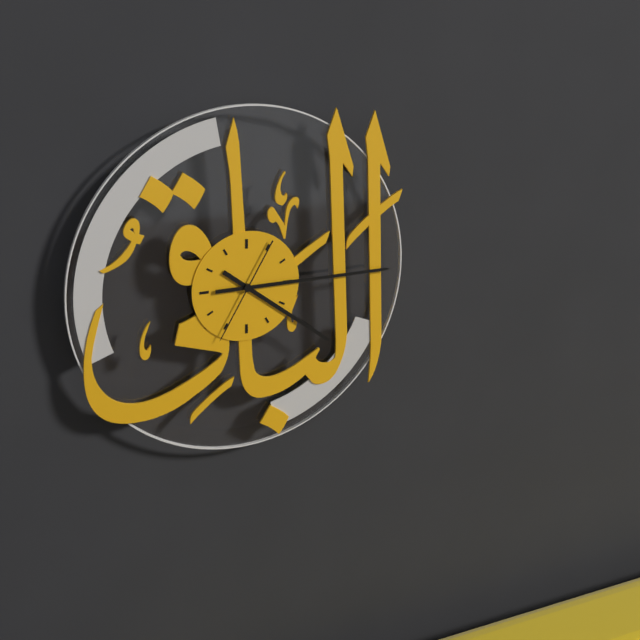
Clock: 4 h 15 min 35 s
